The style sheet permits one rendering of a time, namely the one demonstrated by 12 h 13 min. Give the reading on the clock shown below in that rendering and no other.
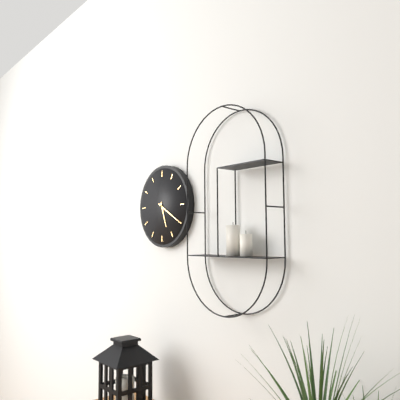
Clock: 5 h 20 min
